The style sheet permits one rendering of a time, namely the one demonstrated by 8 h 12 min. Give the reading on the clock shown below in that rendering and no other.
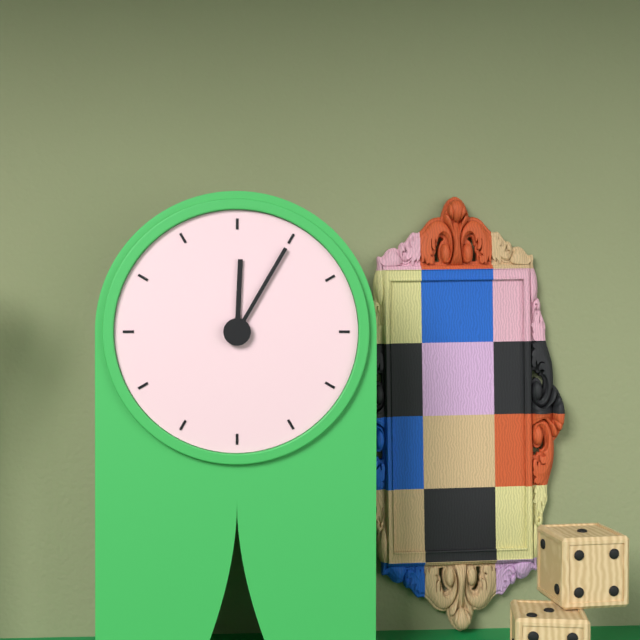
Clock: 12 h 05 min
